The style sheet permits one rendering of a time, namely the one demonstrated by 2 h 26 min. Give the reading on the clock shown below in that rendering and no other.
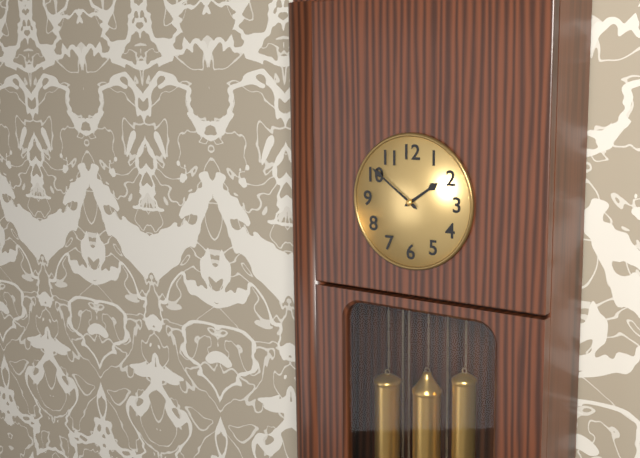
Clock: 1 h 51 min
